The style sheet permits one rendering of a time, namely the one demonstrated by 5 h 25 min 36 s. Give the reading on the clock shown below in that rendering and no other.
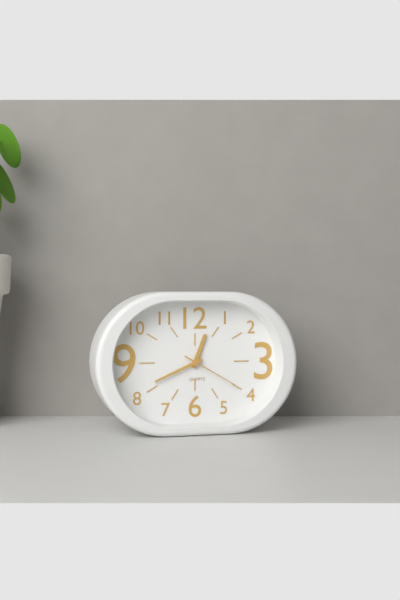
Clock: 12 h 41 min 20 s
